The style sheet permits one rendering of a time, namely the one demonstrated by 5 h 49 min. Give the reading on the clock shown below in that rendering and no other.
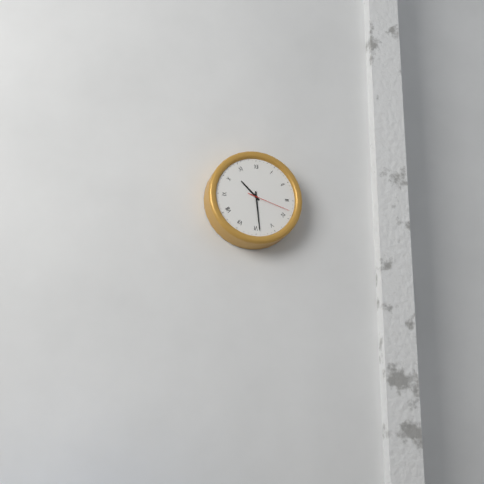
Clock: 10 h 29 min
